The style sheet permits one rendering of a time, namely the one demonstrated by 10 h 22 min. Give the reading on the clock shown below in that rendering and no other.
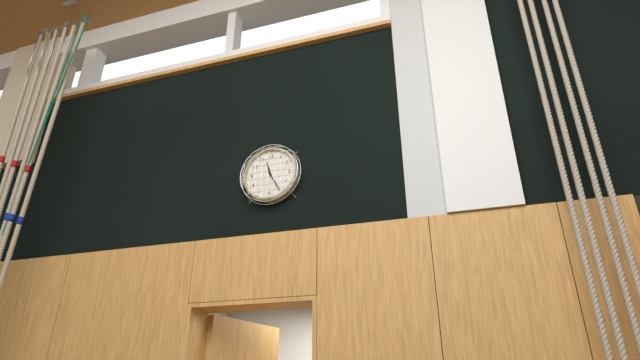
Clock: 11 h 25 min
